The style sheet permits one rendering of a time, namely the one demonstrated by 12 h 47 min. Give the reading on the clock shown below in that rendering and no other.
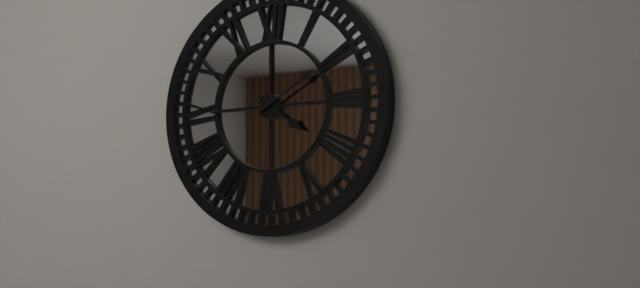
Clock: 4 h 10 min
